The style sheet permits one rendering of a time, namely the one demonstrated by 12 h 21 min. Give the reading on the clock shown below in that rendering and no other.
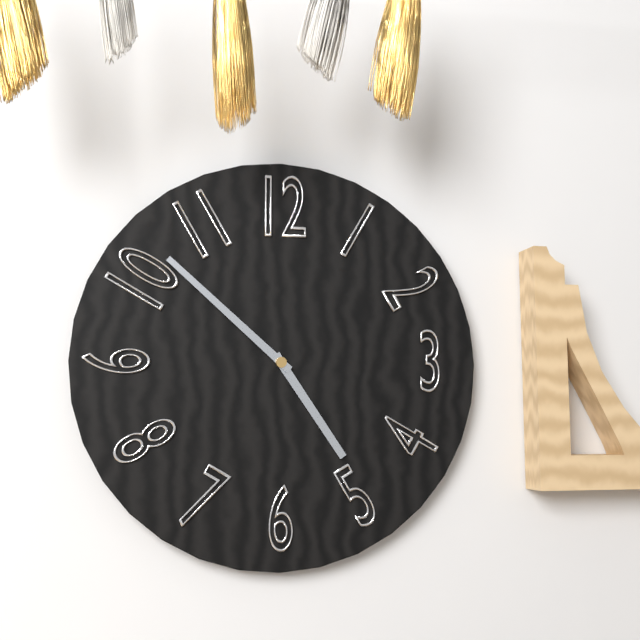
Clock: 4 h 52 min
